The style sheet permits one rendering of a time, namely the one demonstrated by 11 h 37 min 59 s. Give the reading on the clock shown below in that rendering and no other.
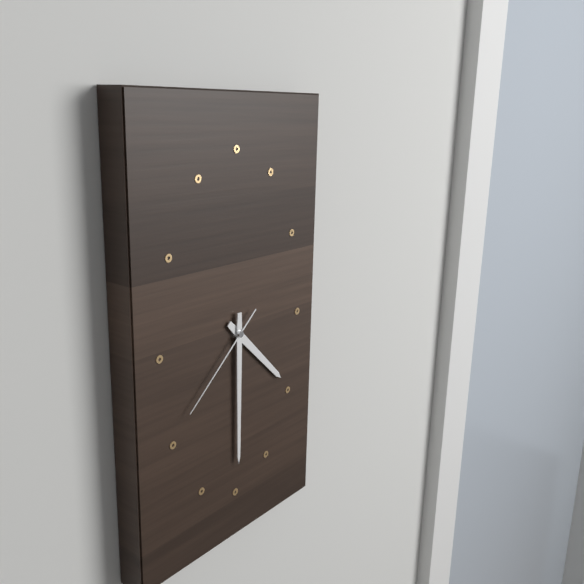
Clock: 4 h 30 min 38 s
